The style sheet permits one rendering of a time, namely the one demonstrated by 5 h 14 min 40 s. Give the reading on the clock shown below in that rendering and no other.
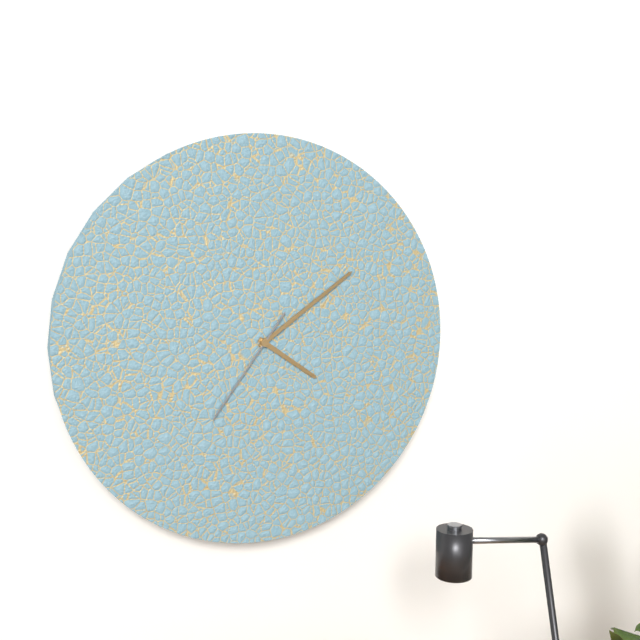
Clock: 4 h 09 min 36 s
